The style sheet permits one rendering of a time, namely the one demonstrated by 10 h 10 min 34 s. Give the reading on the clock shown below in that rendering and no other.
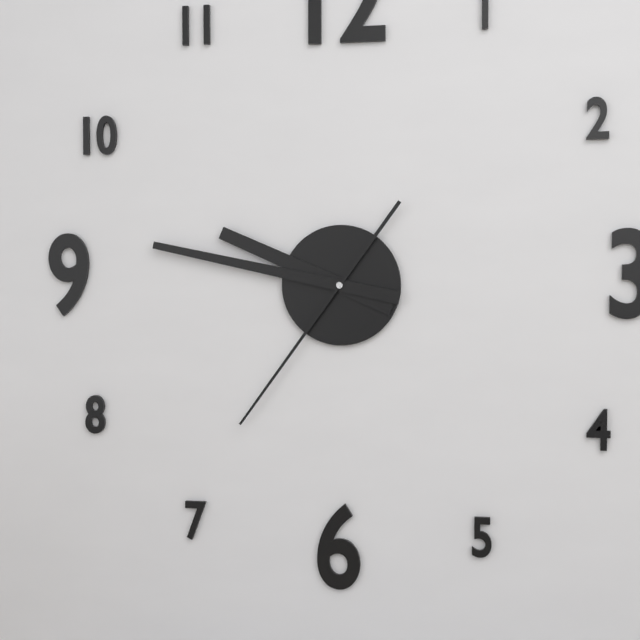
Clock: 9 h 47 min 36 s
